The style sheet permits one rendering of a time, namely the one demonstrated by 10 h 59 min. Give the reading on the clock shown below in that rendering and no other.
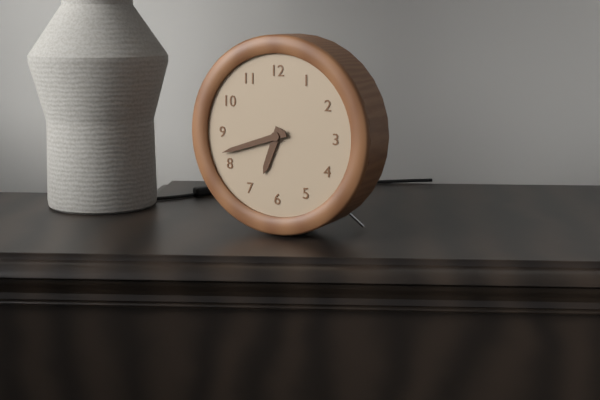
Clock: 6 h 42 min
